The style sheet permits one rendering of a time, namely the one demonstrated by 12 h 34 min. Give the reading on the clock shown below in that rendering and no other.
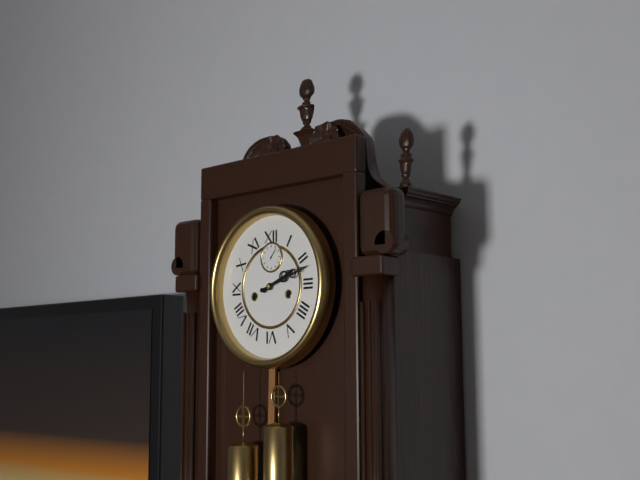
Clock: 2 h 12 min
